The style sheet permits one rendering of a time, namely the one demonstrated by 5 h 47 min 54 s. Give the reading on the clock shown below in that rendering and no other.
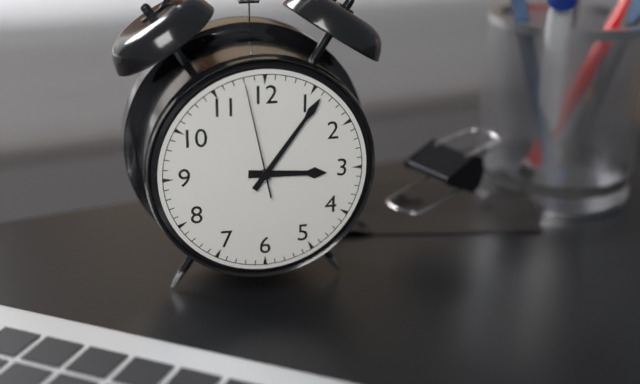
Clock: 3 h 06 min 58 s
